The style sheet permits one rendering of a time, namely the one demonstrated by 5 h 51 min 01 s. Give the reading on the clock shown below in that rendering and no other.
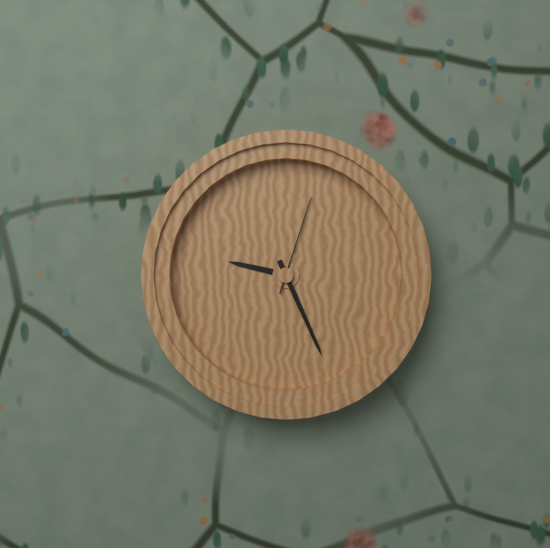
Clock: 9 h 26 min 03 s
